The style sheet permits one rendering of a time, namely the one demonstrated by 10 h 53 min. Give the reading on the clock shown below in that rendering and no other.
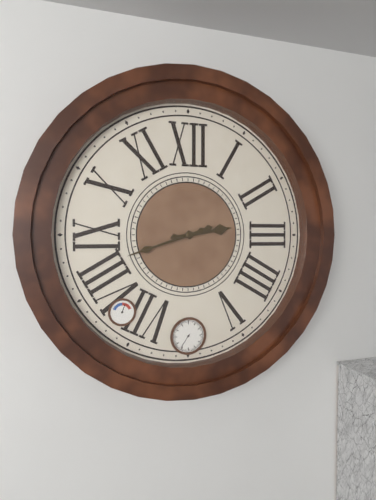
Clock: 2 h 42 min
